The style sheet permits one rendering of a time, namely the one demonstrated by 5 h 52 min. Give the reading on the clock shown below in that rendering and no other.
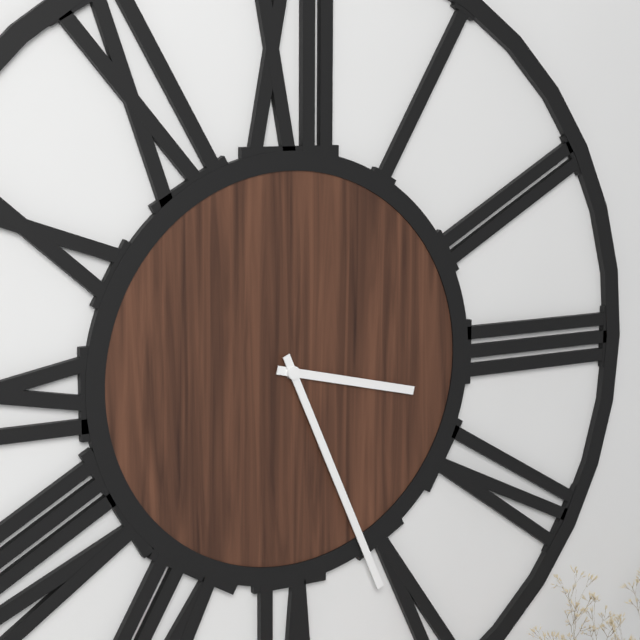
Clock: 3 h 26 min
